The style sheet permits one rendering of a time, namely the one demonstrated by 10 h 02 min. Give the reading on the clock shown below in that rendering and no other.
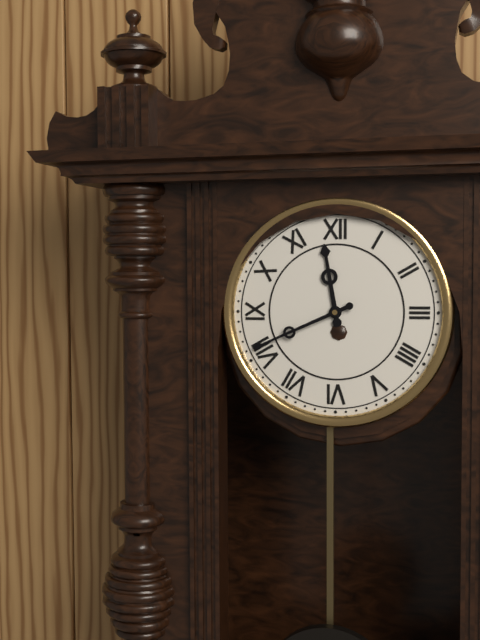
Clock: 11 h 41 min
